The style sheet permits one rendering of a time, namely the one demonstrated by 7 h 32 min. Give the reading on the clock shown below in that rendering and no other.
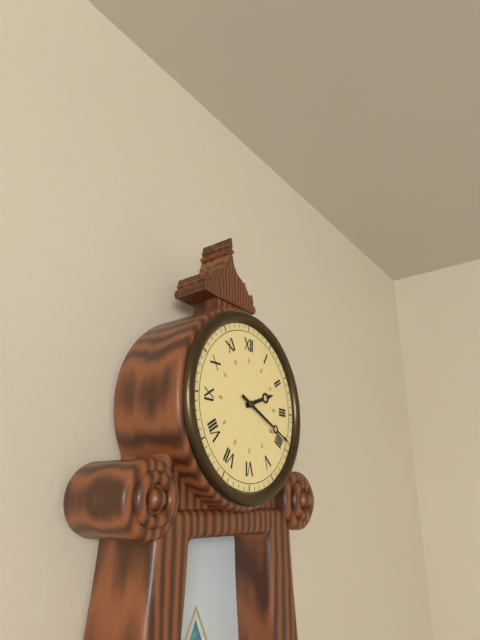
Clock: 2 h 19 min
